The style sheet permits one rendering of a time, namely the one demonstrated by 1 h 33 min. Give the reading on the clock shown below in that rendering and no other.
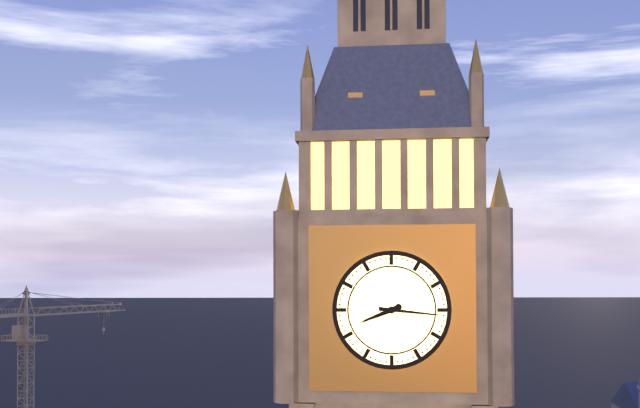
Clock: 8 h 16 min
